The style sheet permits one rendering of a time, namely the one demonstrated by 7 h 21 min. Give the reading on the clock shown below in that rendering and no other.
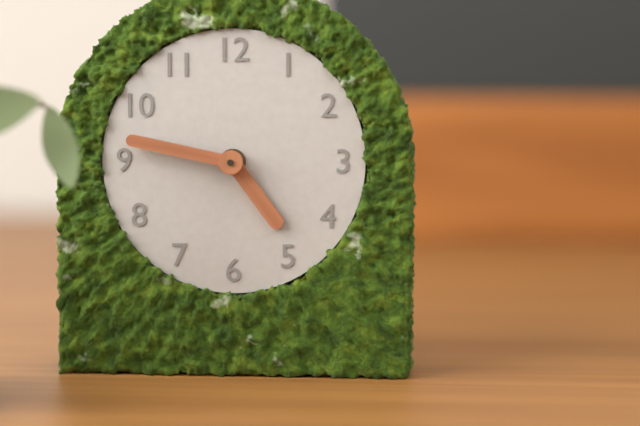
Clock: 4 h 47 min
